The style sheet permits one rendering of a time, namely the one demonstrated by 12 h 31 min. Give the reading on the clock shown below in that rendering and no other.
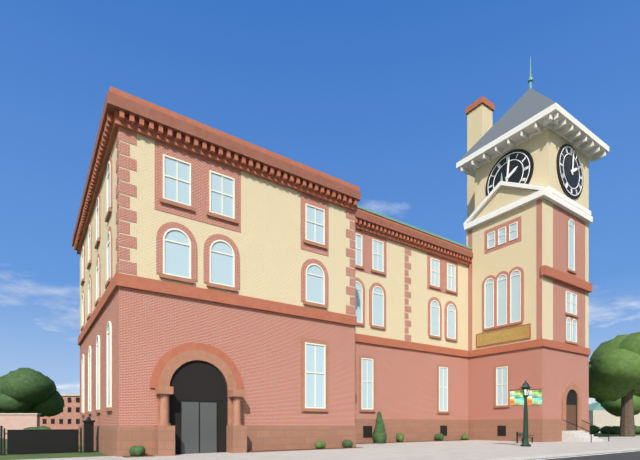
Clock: 2 h 01 min
